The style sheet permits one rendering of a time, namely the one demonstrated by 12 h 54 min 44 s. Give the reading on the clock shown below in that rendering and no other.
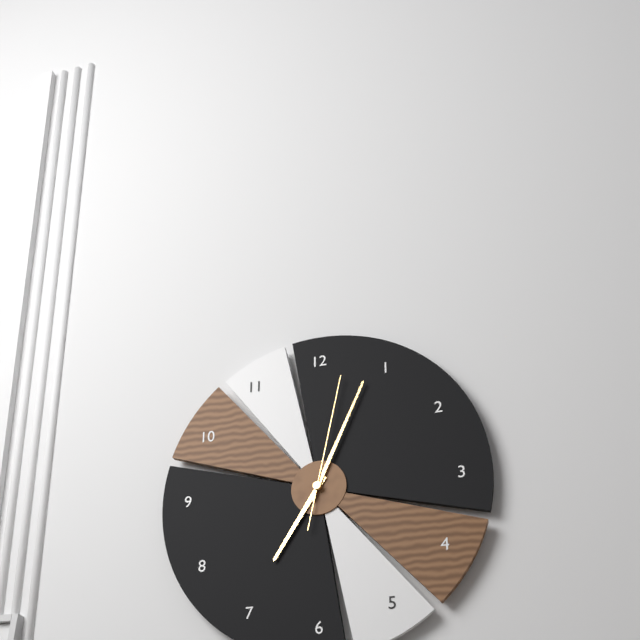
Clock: 7 h 04 min 02 s
